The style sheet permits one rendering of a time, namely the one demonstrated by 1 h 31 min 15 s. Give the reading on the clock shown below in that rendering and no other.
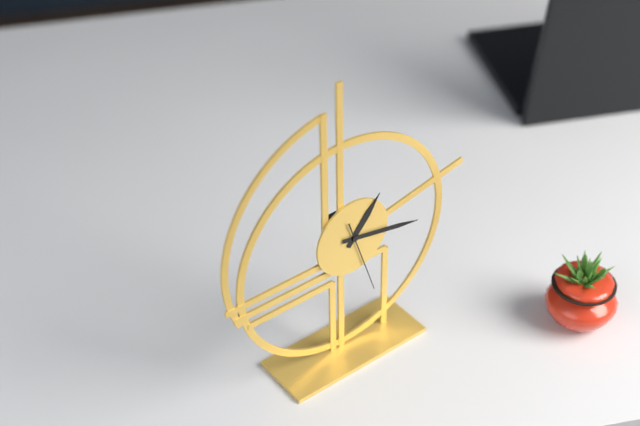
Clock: 1 h 17 min 27 s
